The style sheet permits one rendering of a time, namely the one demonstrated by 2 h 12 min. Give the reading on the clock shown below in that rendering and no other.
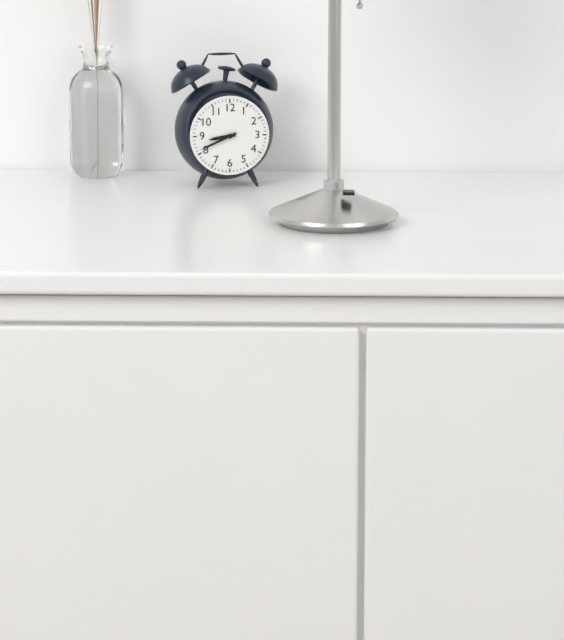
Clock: 8 h 41 min
